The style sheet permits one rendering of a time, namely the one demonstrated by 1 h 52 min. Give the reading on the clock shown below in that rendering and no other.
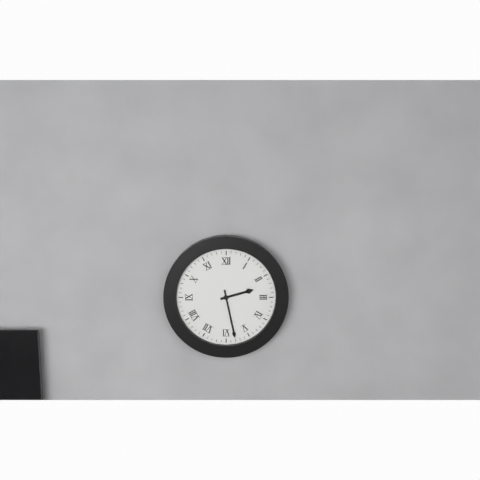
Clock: 2 h 28 min
